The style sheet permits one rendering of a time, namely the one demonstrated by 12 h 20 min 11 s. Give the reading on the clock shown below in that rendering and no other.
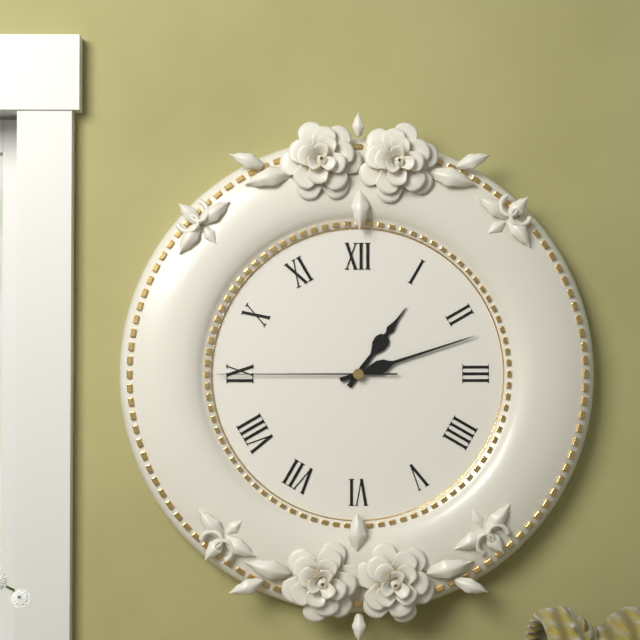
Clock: 1 h 12 min 45 s
